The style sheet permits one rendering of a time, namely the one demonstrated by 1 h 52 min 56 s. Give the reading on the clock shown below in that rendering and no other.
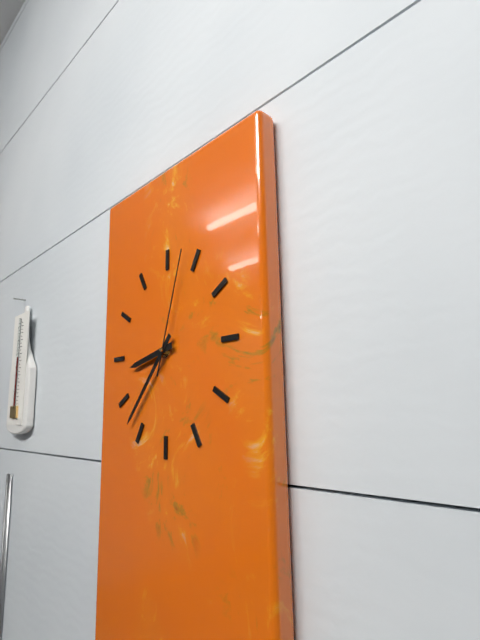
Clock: 8 h 37 min 03 s
